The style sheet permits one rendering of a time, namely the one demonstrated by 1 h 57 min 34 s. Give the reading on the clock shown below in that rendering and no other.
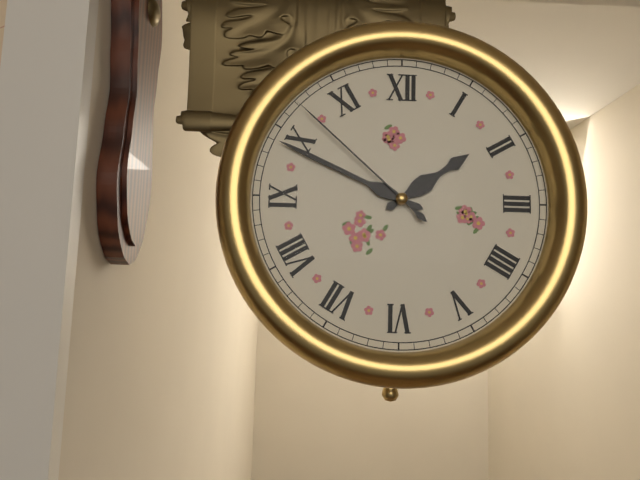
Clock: 1 h 49 min 52 s
